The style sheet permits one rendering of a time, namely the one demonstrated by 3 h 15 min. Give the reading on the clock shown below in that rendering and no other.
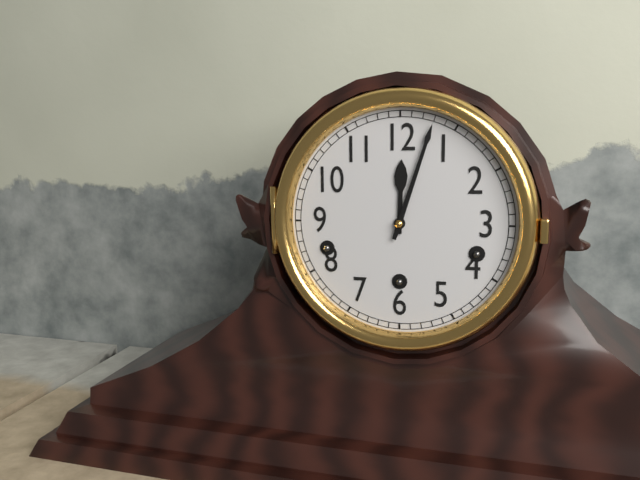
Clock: 12 h 03 min
